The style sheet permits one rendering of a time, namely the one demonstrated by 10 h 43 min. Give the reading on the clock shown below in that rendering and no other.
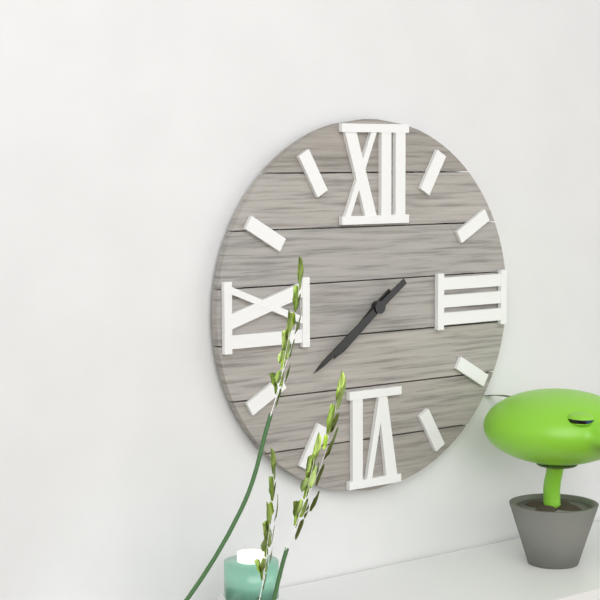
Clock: 7 h 39 min
